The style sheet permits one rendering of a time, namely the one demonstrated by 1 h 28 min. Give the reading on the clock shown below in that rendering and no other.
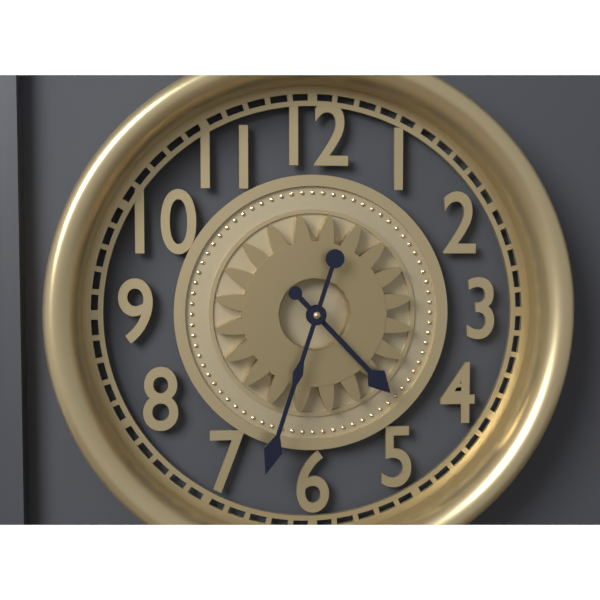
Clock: 4 h 33 min
